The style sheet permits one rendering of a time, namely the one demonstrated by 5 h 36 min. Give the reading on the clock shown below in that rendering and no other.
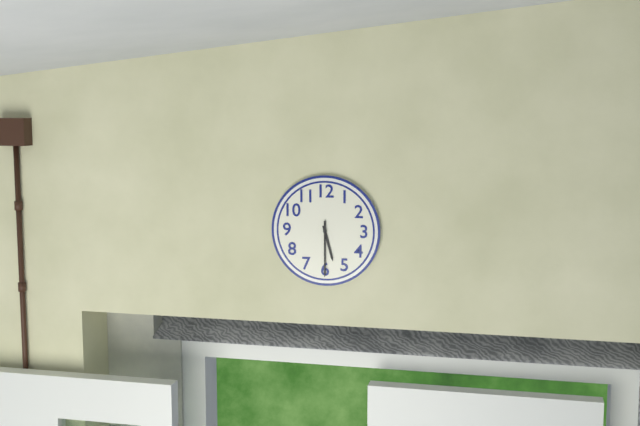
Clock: 5 h 30 min
